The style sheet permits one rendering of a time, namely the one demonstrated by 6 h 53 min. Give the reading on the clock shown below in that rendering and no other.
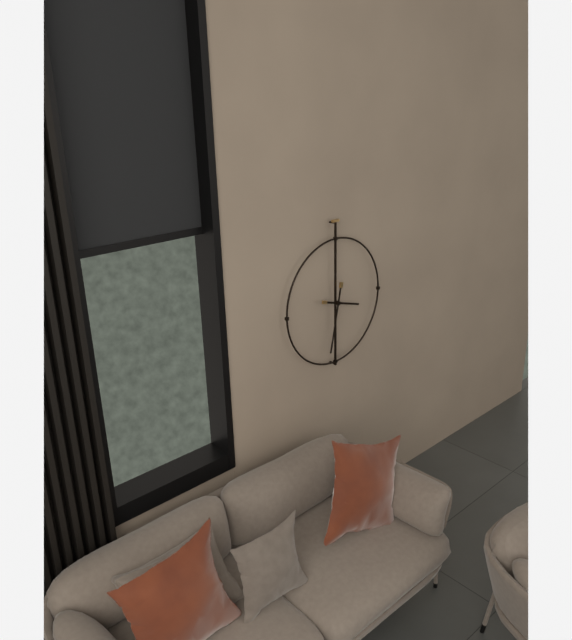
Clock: 3 h 32 min
